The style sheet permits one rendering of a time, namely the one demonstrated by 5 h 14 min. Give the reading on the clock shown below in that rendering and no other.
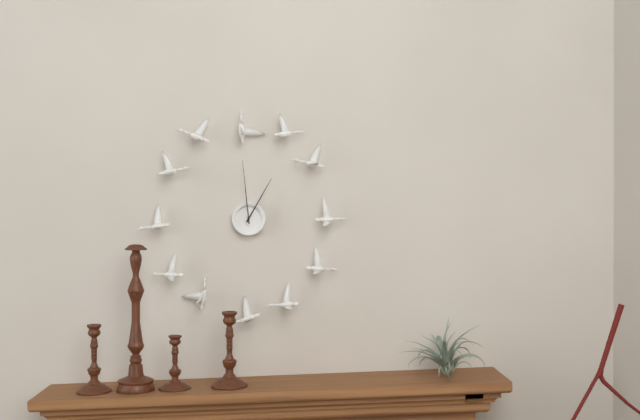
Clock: 12 h 59 min
